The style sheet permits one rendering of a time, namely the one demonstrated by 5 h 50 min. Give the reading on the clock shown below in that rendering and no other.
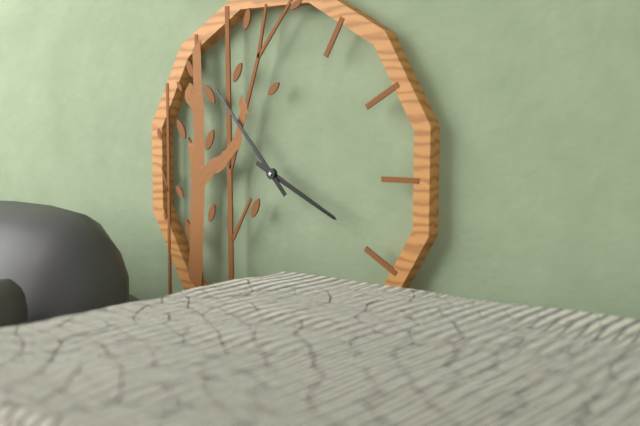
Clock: 3 h 53 min
